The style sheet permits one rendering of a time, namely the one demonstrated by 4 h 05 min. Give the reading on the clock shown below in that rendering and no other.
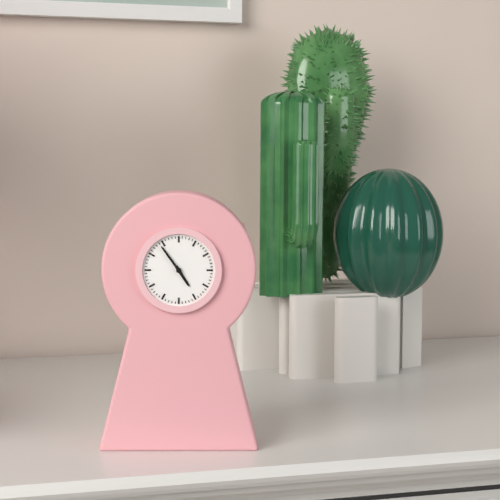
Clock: 4 h 54 min
